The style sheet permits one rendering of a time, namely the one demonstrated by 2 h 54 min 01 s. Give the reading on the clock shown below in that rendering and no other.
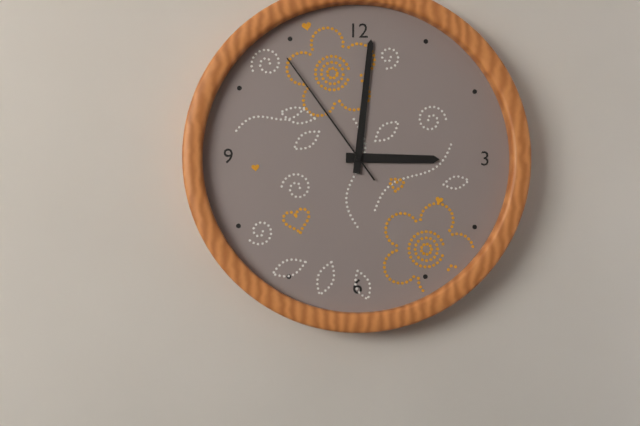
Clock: 3 h 01 min 54 s
